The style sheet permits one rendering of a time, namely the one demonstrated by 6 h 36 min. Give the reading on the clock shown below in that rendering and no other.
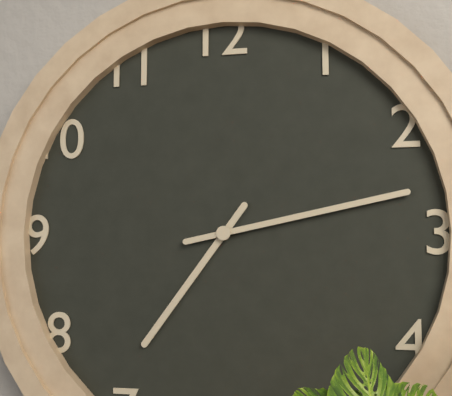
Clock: 7 h 13 min
